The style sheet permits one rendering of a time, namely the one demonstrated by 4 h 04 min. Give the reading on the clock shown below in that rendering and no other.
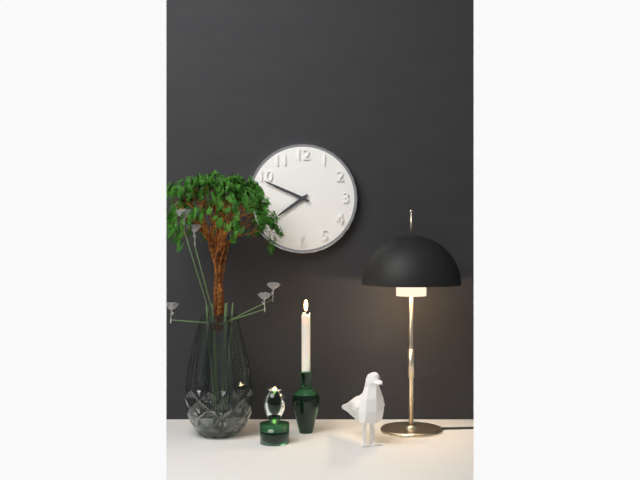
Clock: 7 h 49 min
